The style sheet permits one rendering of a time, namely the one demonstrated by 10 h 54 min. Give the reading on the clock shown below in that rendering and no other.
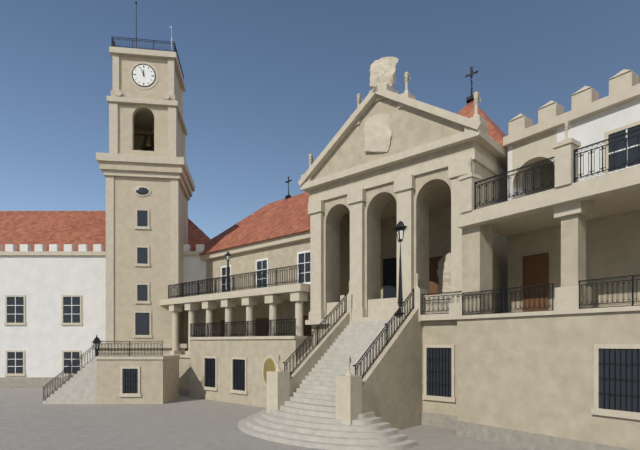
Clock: 11 h 56 min
